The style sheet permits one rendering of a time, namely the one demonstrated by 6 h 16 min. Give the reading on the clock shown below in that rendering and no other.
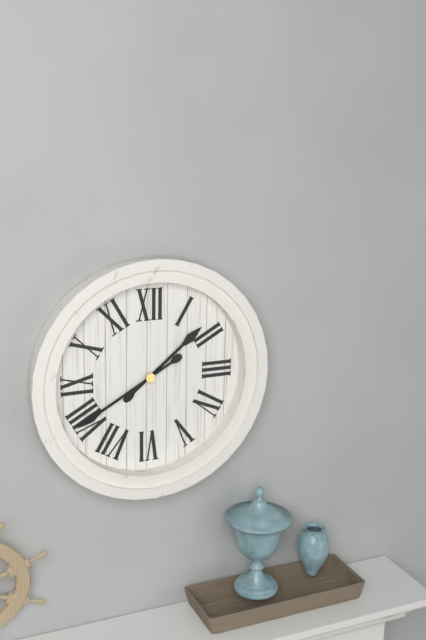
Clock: 1 h 40 min
